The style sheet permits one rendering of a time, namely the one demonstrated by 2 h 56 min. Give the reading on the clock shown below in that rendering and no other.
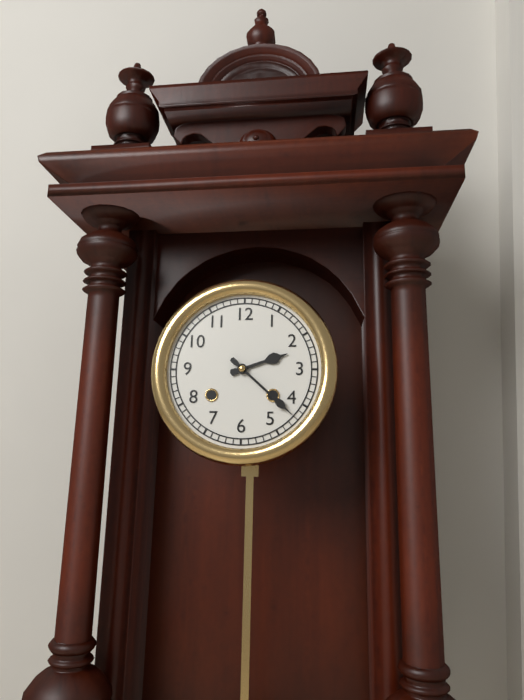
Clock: 2 h 22 min
